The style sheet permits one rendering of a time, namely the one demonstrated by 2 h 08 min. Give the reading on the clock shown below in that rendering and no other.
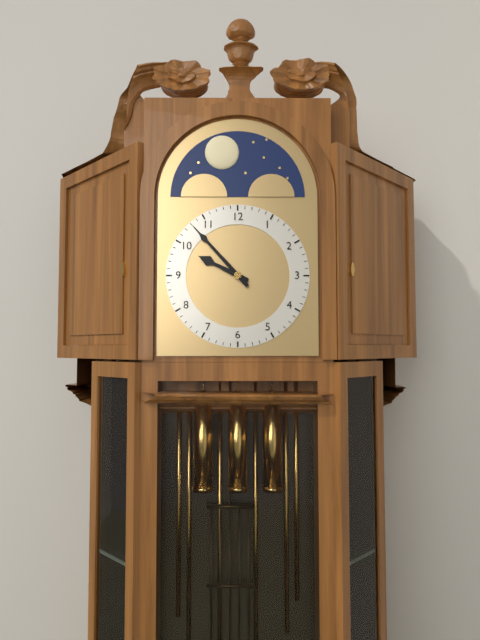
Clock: 9 h 53 min
